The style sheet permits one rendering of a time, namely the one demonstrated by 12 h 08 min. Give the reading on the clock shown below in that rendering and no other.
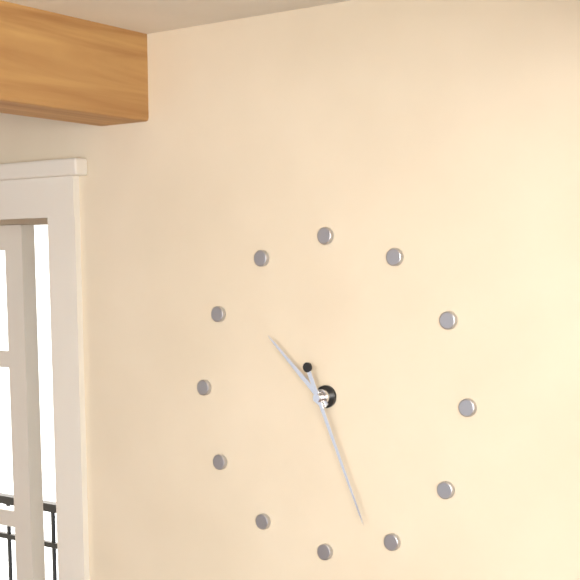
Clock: 10 h 26 min
